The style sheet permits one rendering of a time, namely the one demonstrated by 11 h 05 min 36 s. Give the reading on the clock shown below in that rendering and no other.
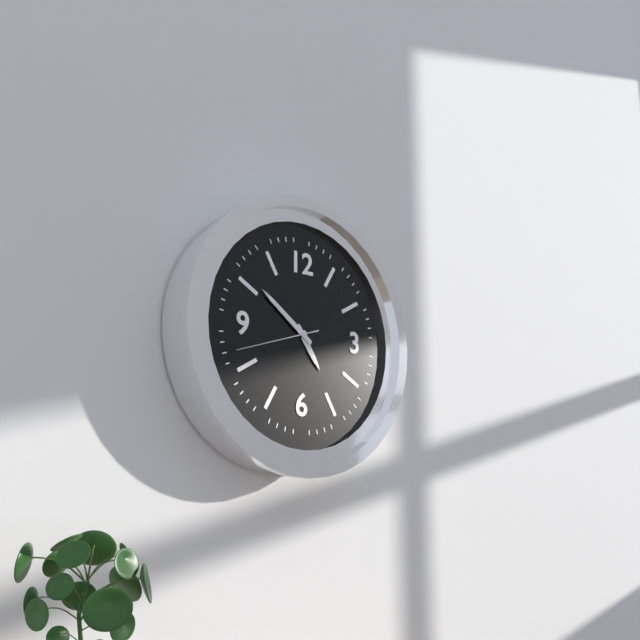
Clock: 4 h 51 min 42 s
